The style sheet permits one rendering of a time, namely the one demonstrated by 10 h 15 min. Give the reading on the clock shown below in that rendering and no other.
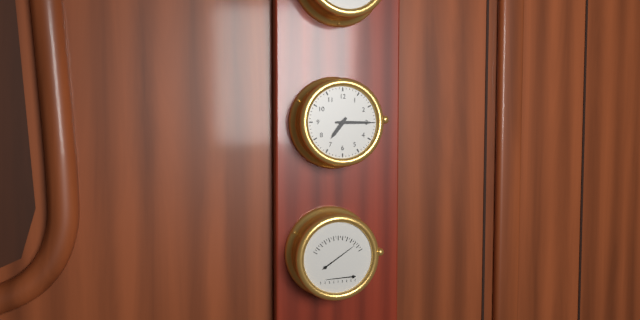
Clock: 7 h 15 min
